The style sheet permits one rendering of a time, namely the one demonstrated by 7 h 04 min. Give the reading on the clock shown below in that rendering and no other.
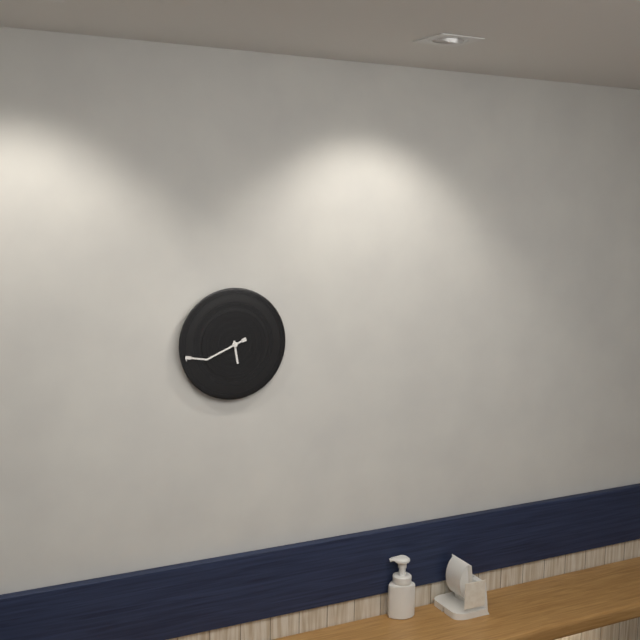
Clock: 5 h 41 min
